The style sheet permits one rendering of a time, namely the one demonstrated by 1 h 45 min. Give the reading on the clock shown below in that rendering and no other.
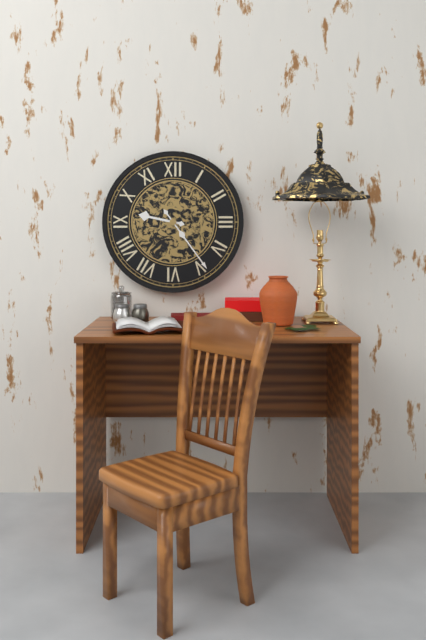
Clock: 9 h 24 min
